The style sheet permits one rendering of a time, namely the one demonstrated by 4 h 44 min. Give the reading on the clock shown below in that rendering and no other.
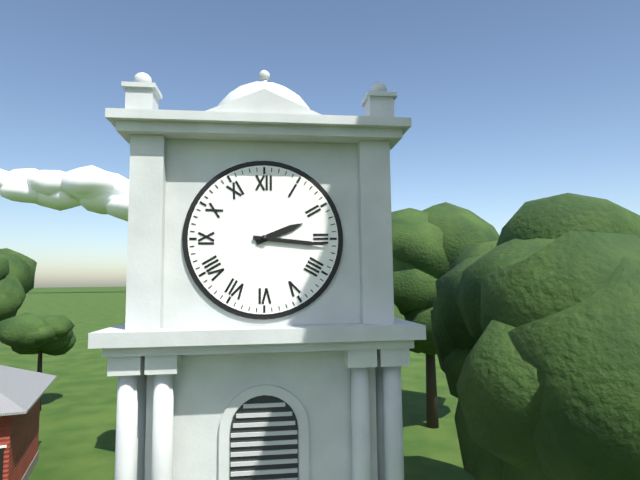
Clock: 2 h 16 min
